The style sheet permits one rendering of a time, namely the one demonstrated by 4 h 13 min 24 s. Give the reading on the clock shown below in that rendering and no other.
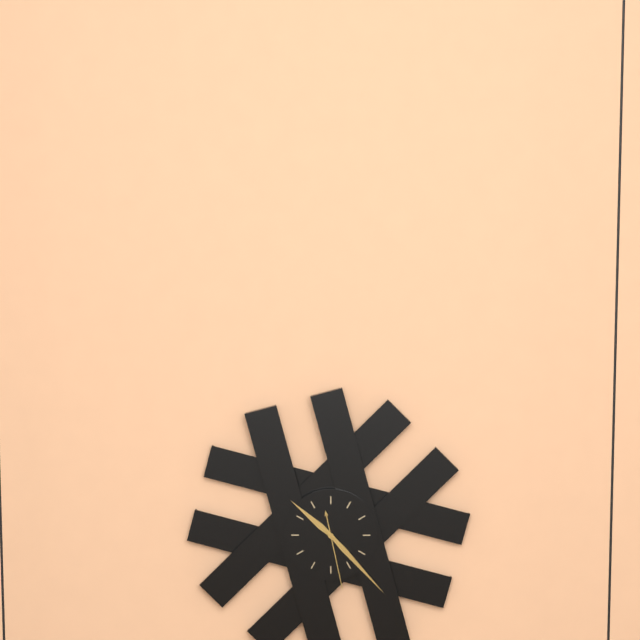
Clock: 10 h 23 min 28 s
